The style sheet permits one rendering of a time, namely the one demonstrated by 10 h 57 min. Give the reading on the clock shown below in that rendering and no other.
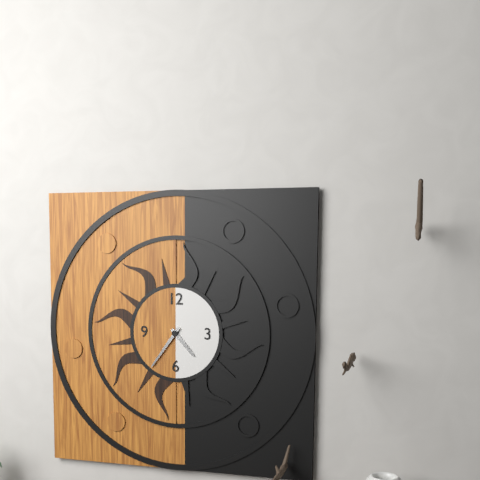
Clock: 4 h 36 min
